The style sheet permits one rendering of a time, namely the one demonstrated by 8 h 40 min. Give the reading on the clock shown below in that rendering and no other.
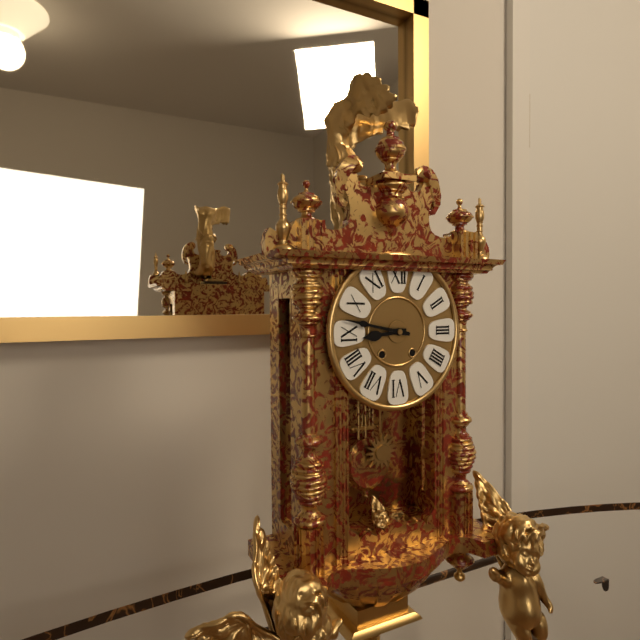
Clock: 8 h 47 min
